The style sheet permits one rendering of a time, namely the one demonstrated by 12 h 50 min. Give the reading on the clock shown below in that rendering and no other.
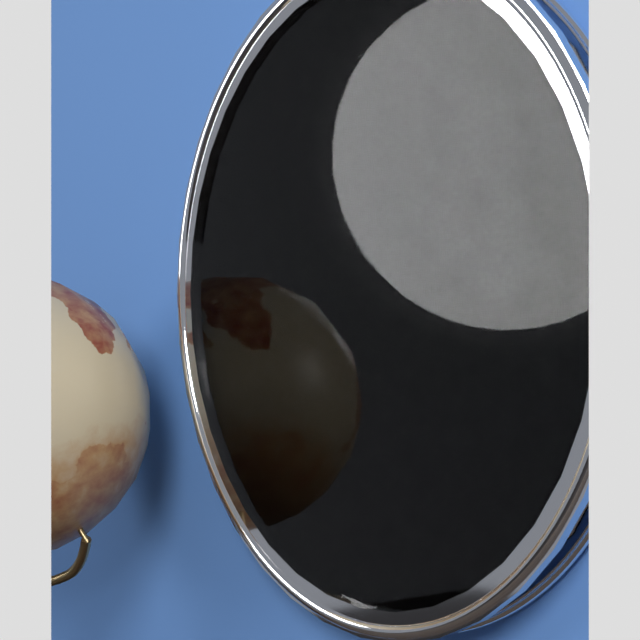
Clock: 10 h 10 min
